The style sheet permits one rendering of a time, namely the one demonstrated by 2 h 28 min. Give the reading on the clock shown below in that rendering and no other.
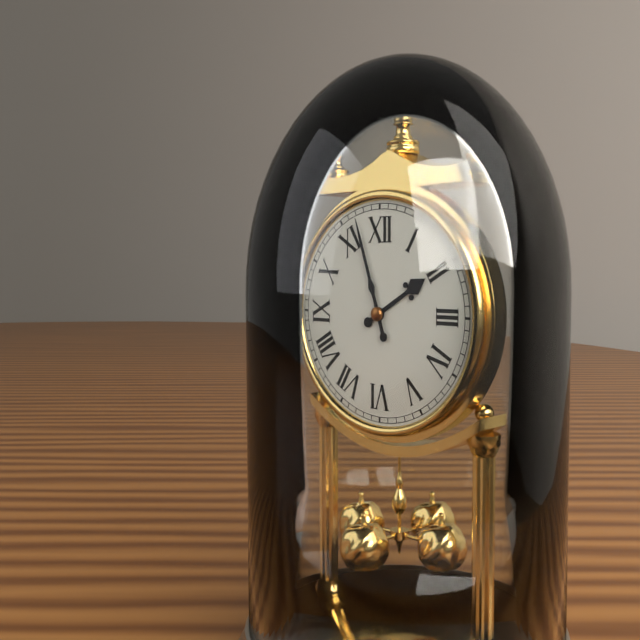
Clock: 1 h 57 min
